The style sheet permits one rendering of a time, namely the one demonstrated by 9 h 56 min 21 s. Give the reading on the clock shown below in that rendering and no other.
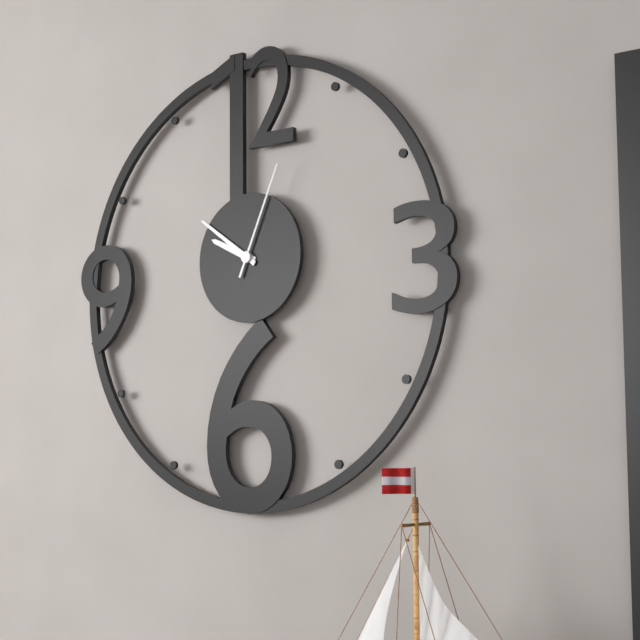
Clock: 9 h 51 min 04 s
